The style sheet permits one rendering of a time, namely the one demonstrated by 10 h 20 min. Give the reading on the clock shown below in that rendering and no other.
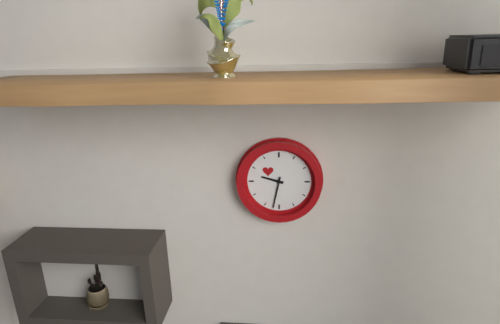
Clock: 9 h 32 min
